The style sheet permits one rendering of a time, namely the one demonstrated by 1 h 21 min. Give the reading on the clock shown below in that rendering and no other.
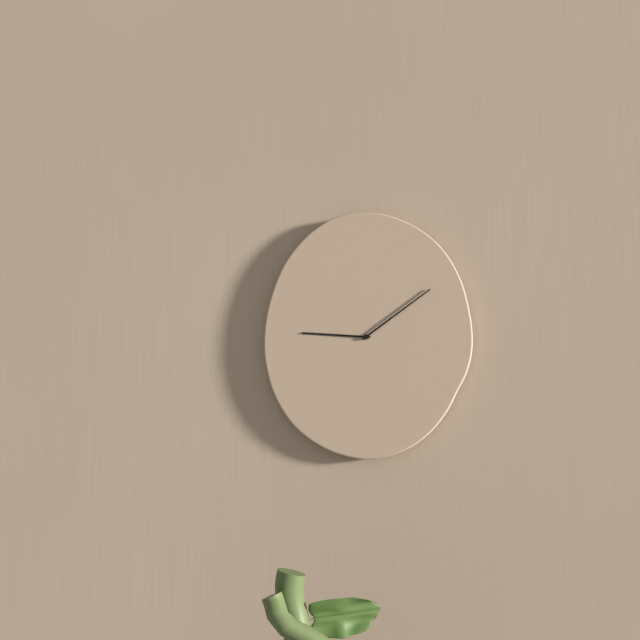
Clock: 9 h 09 min
